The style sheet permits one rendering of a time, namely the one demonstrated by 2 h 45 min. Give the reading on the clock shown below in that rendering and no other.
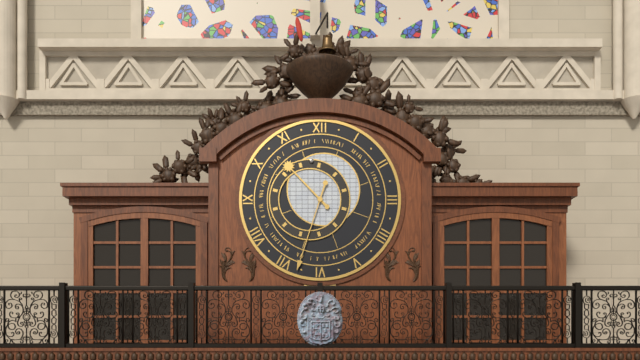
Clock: 10 h 33 min
